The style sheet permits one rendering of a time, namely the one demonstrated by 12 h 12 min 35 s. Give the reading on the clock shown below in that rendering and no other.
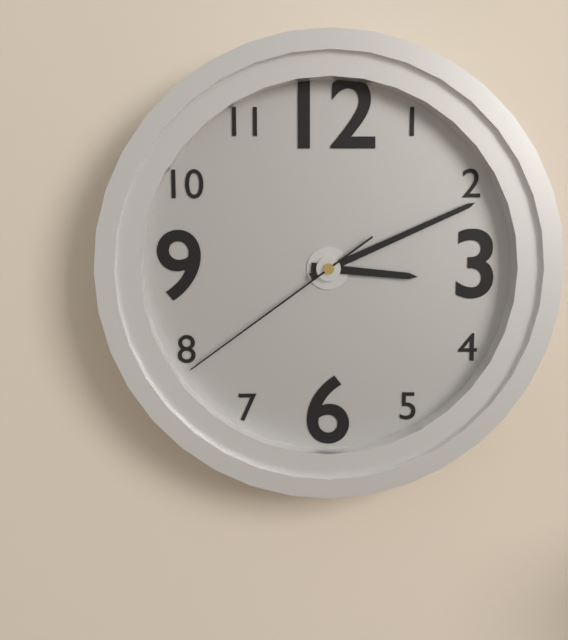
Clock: 3 h 11 min 39 s
